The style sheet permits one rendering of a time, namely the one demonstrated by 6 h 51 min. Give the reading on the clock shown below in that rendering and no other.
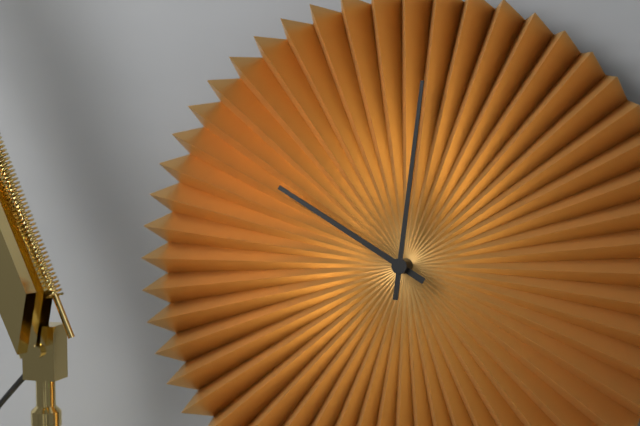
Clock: 10 h 01 min
